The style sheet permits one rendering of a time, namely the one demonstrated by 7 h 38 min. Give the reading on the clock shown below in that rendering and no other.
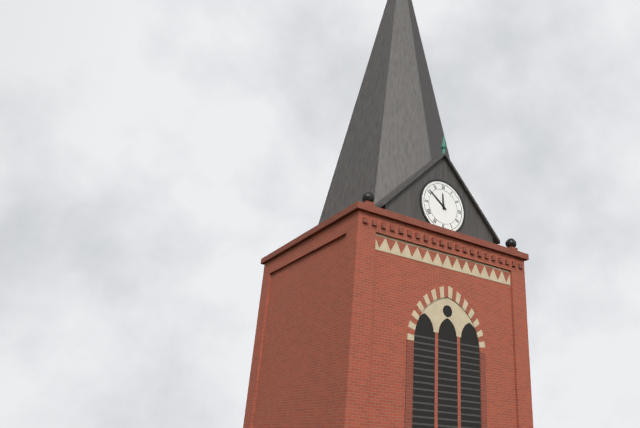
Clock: 11 h 51 min
